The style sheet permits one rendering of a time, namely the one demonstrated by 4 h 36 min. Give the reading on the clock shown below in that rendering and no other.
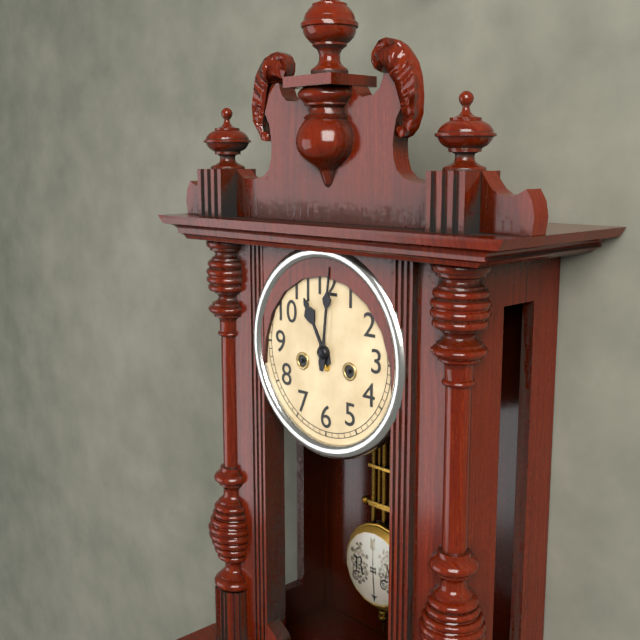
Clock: 11 h 01 min
